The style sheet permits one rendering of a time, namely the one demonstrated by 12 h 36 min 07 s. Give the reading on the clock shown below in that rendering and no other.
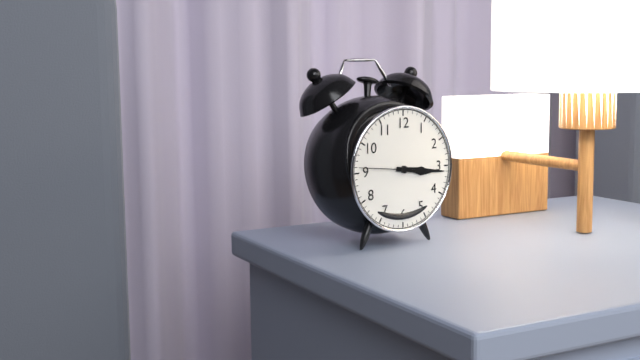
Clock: 3 h 16 min 46 s
